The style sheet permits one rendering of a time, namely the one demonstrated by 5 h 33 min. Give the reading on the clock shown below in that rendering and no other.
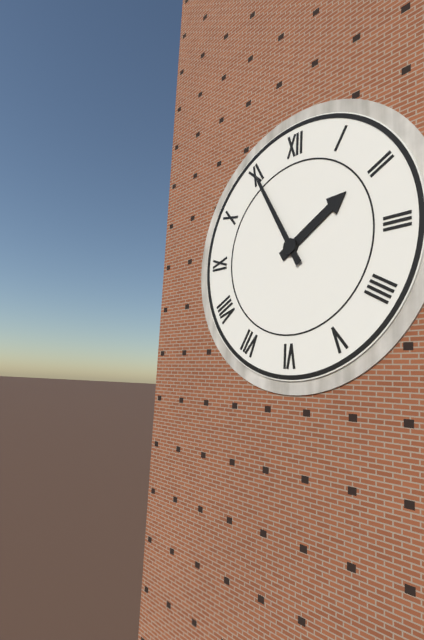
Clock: 1 h 55 min
